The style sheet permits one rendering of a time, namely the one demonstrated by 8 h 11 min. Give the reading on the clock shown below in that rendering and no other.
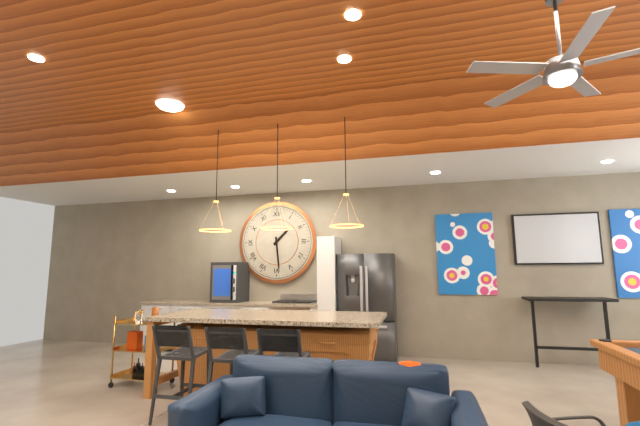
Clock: 1 h 29 min
